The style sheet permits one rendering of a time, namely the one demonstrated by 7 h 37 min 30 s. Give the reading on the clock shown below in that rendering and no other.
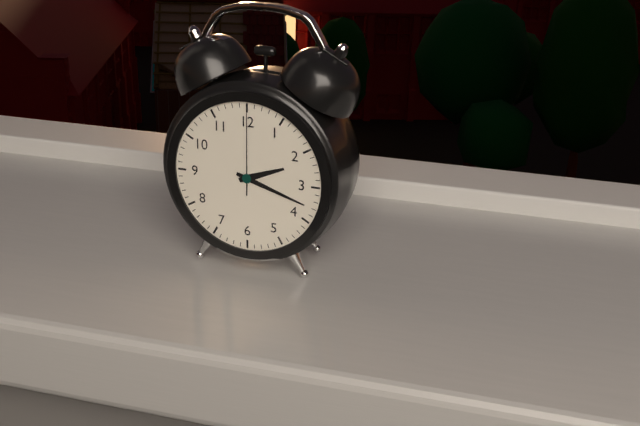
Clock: 2 h 18 min 00 s
